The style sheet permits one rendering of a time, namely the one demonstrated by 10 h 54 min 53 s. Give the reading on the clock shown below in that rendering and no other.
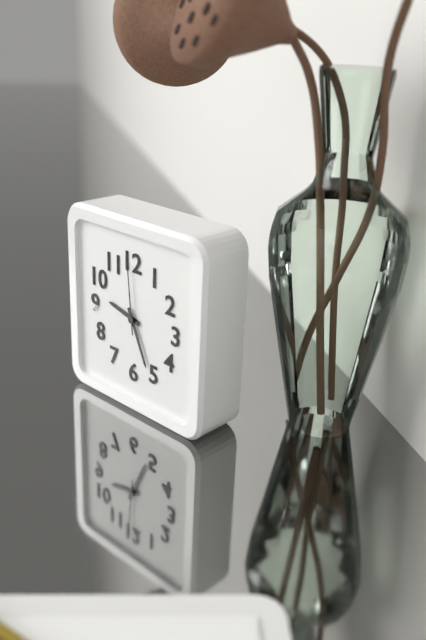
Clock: 9 h 26 min 59 s
